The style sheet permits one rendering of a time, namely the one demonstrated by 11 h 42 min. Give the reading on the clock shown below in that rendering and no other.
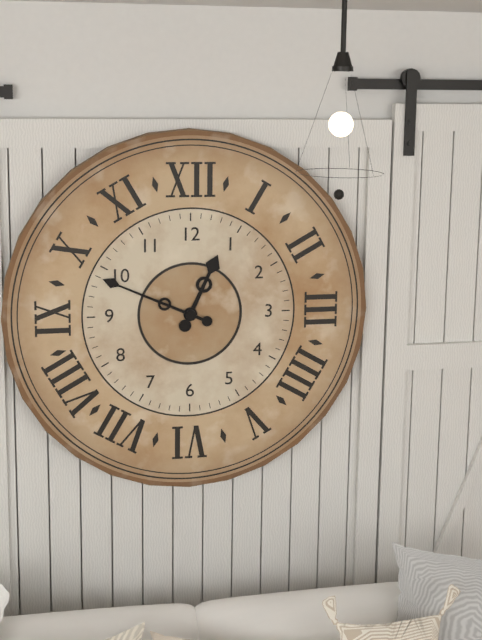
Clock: 12 h 49 min
